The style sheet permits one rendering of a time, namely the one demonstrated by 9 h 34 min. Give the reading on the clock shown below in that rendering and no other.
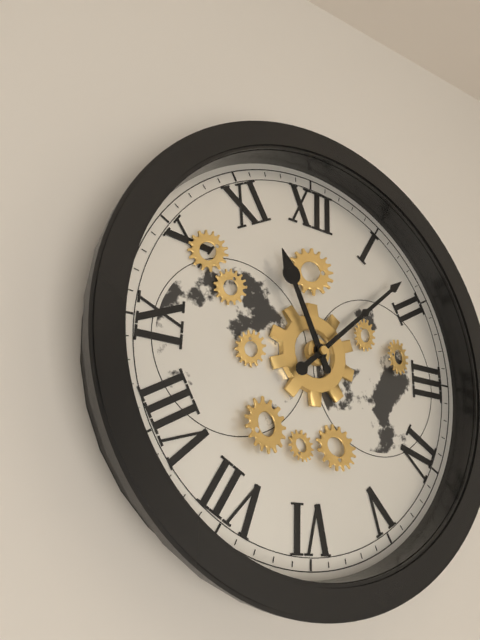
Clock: 11 h 08 min
